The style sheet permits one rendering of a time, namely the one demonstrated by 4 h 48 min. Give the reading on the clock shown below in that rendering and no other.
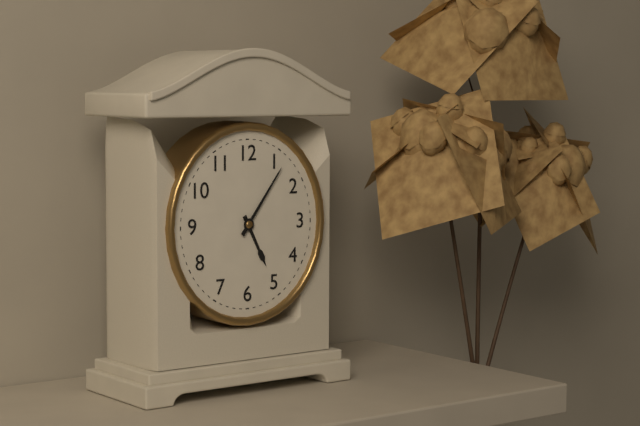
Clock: 5 h 06 min
